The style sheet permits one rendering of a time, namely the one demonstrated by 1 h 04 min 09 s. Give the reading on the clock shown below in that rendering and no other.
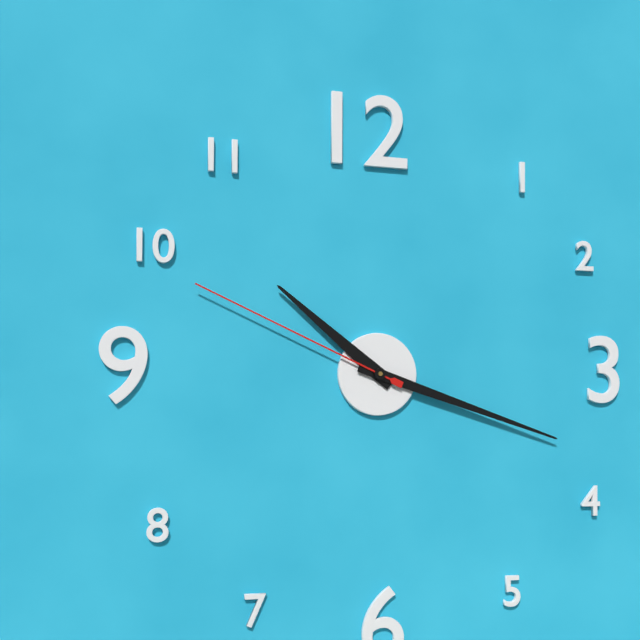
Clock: 10 h 18 min 49 s
